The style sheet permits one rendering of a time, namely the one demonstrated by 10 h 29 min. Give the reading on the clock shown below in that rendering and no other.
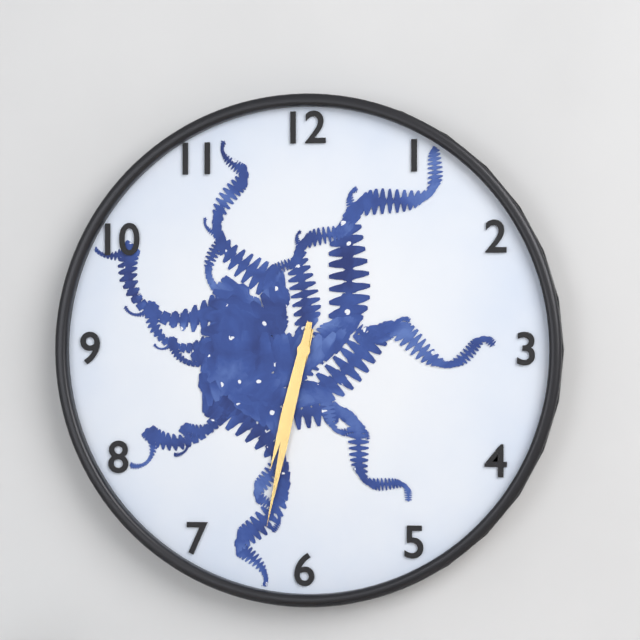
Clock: 6 h 32 min
